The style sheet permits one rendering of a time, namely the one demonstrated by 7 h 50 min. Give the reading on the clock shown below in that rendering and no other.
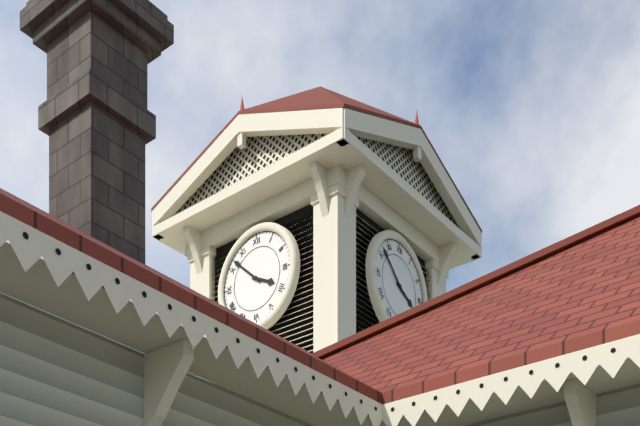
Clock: 3 h 52 min
